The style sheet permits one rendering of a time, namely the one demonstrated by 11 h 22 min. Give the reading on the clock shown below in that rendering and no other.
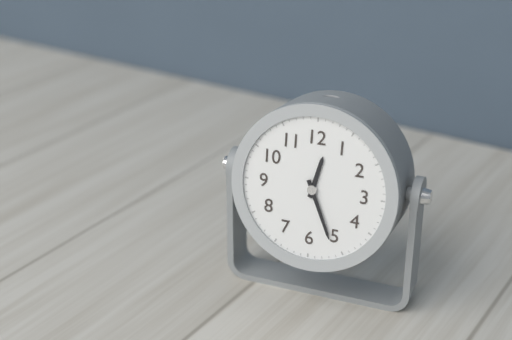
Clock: 12 h 26 min
